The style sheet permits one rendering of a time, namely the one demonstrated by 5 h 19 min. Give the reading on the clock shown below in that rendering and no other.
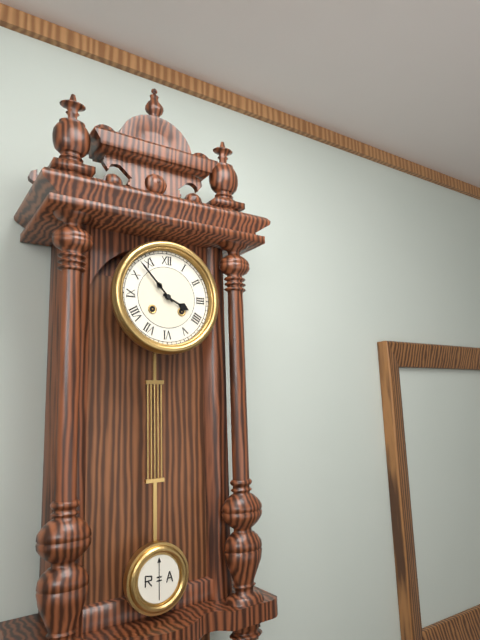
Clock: 3 h 53 min
